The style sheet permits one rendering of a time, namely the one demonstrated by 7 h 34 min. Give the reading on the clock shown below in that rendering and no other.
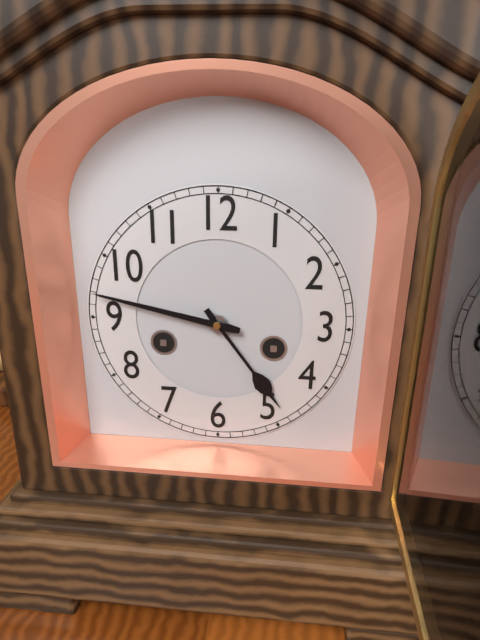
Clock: 4 h 47 min
